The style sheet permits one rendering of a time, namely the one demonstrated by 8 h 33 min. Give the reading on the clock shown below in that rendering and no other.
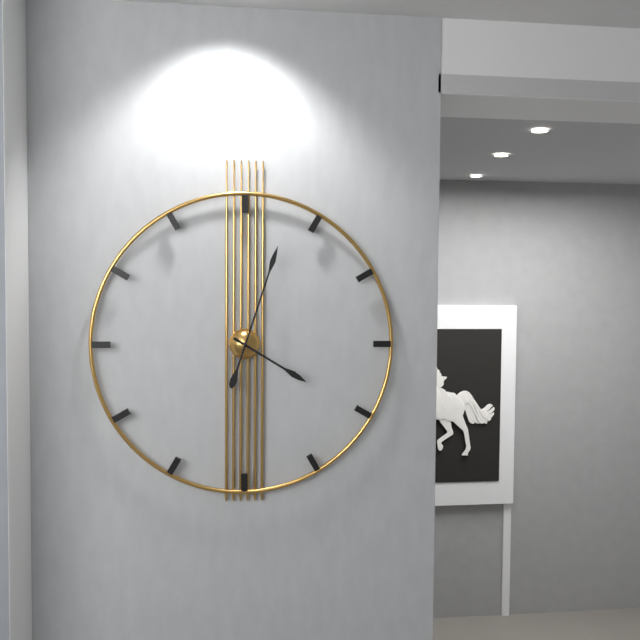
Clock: 4 h 03 min
